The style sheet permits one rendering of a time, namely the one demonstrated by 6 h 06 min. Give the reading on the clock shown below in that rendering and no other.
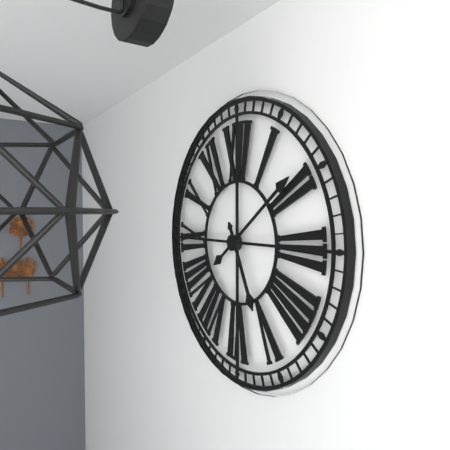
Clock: 5 h 09 min
